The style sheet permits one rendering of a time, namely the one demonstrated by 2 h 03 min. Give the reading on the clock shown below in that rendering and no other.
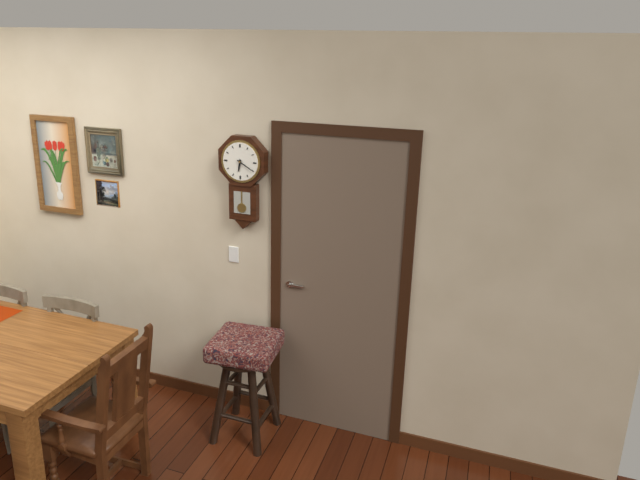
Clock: 6 h 20 min
